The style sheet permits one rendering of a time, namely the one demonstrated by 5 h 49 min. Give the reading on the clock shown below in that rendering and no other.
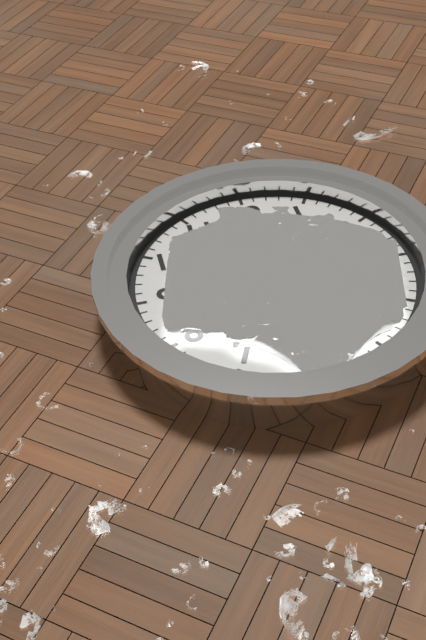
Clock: 1 h 30 min
